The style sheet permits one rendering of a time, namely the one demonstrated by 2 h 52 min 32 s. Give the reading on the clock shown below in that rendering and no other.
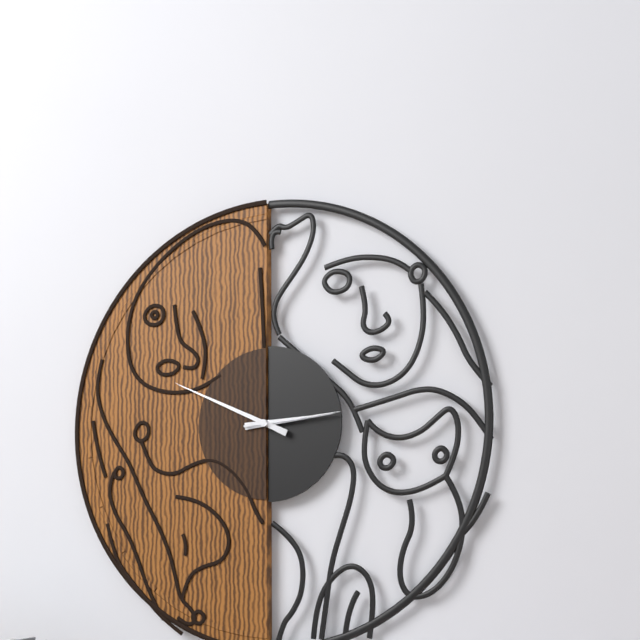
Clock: 2 h 49 min 14 s
